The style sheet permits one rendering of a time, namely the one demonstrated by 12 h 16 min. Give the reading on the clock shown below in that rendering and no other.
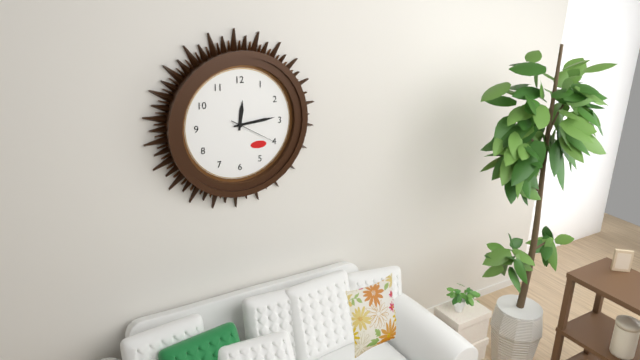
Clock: 12 h 14 min
